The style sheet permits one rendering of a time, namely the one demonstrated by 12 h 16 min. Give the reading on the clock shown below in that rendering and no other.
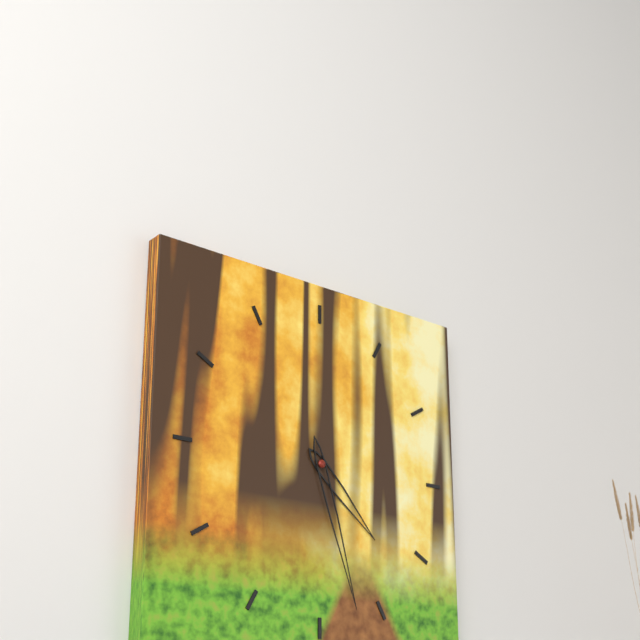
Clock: 4 h 27 min
